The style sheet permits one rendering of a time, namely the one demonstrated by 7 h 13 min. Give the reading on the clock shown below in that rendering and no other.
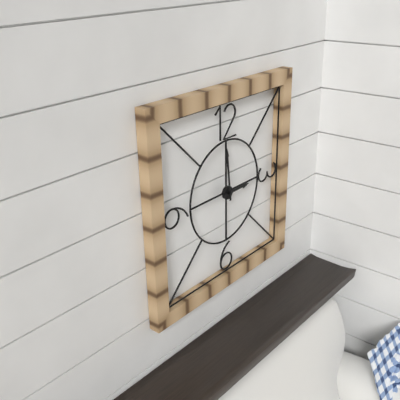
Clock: 2 h 59 min
